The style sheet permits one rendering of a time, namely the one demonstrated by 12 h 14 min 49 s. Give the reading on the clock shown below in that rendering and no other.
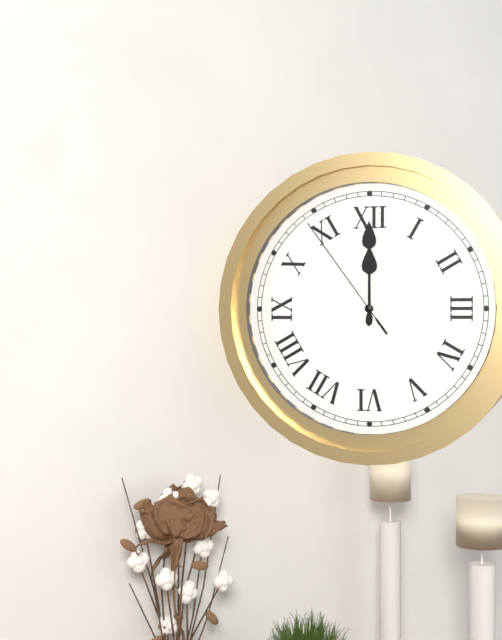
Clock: 12 h 00 min 54 s
